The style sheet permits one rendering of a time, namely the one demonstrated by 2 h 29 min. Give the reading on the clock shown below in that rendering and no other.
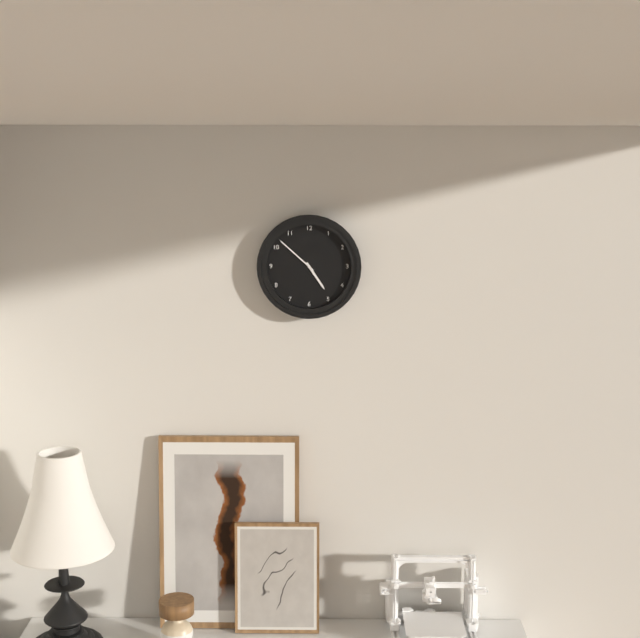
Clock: 4 h 52 min
